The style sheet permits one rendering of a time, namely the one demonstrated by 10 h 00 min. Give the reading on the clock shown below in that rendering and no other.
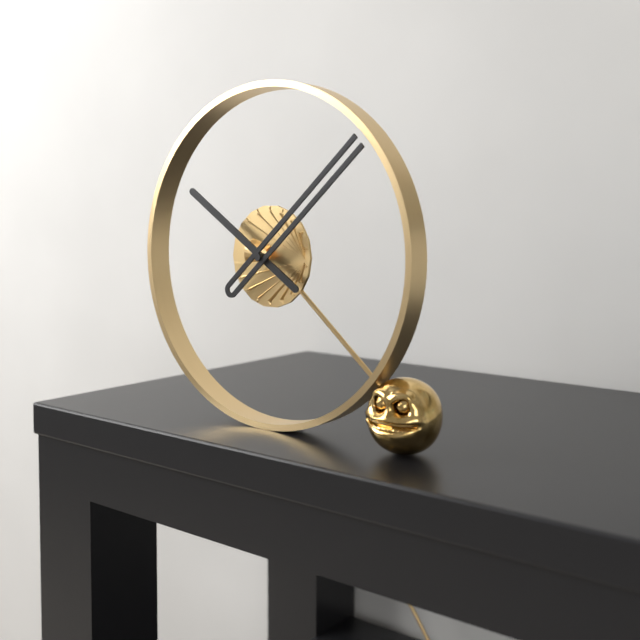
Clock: 10 h 08 min
